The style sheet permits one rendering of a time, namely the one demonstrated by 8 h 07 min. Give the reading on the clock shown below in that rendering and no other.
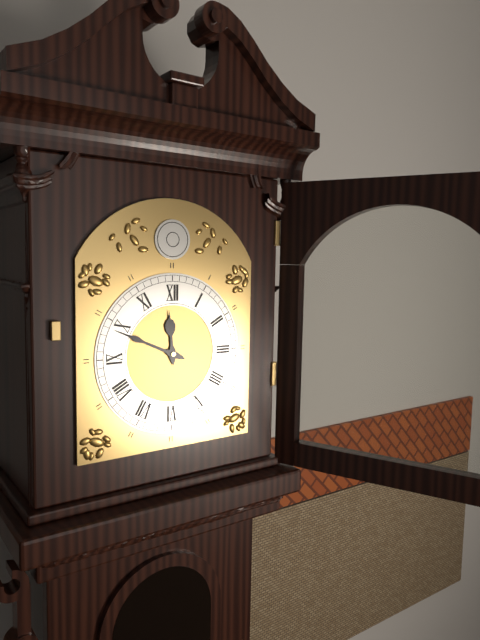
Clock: 11 h 49 min
